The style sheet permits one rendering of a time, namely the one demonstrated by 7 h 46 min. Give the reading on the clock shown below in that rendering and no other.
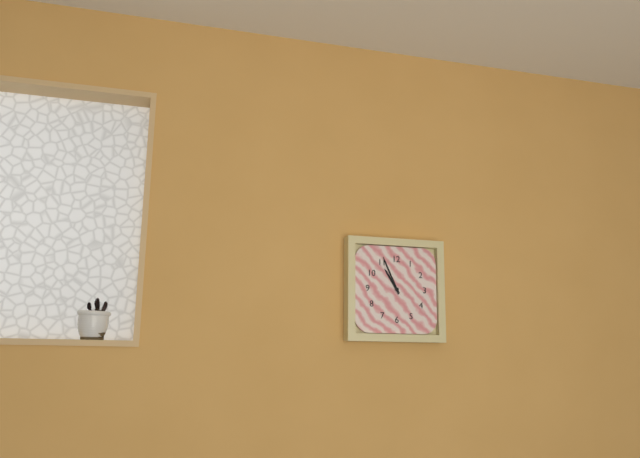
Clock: 10 h 56 min
